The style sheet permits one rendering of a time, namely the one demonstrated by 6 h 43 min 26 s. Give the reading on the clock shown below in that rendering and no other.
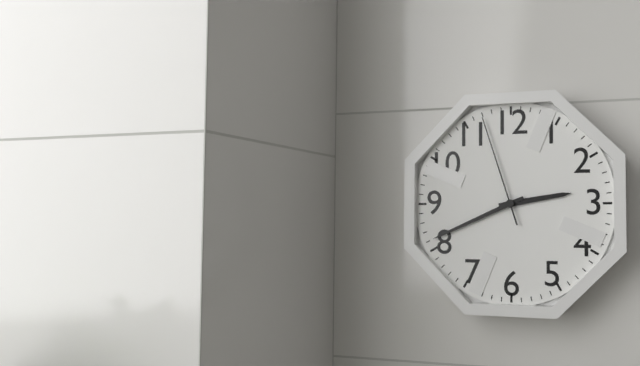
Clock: 2 h 41 min 57 s
